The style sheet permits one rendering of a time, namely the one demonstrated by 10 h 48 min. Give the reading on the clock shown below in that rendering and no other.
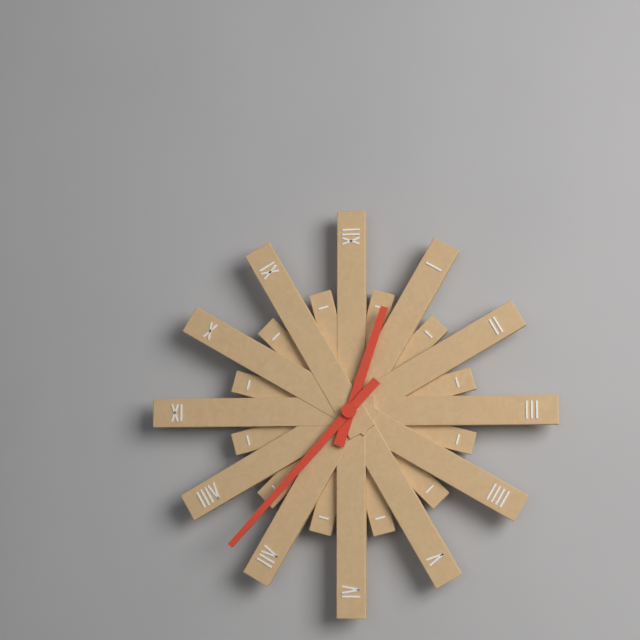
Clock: 12 h 37 min
